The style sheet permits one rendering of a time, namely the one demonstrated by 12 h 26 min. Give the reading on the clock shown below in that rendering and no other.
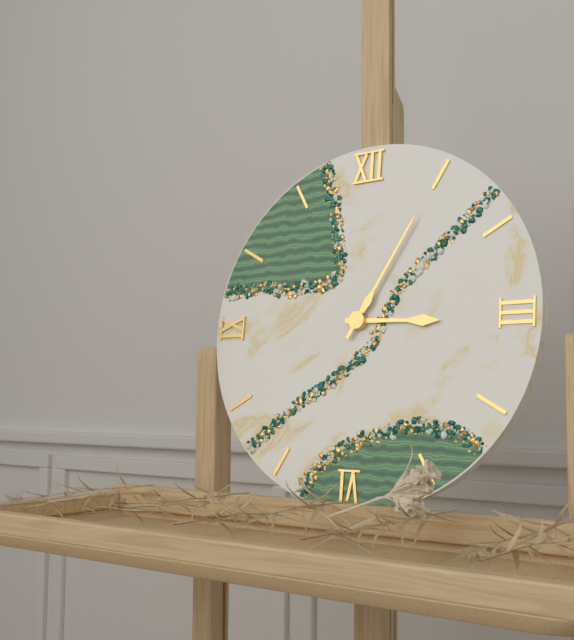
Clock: 3 h 05 min
